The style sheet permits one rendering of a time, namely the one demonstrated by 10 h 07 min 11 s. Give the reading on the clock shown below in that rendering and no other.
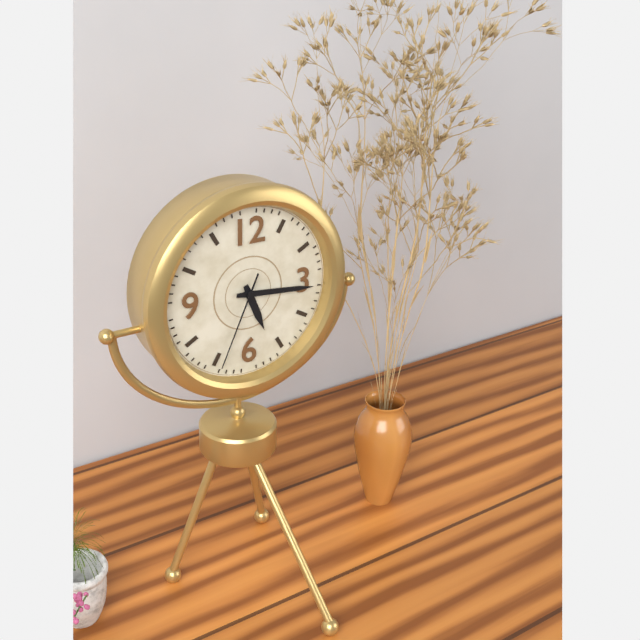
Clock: 5 h 16 min 34 s
